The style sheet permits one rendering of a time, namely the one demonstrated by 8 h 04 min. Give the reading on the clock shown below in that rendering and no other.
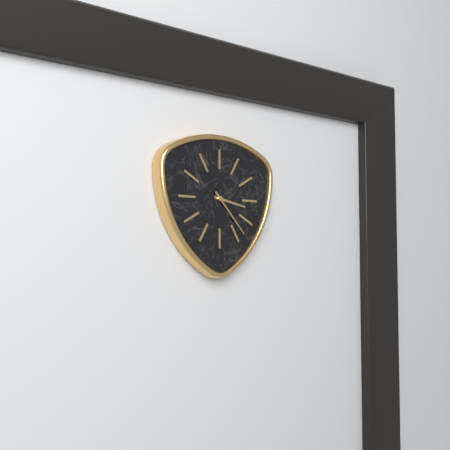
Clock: 3 h 23 min
